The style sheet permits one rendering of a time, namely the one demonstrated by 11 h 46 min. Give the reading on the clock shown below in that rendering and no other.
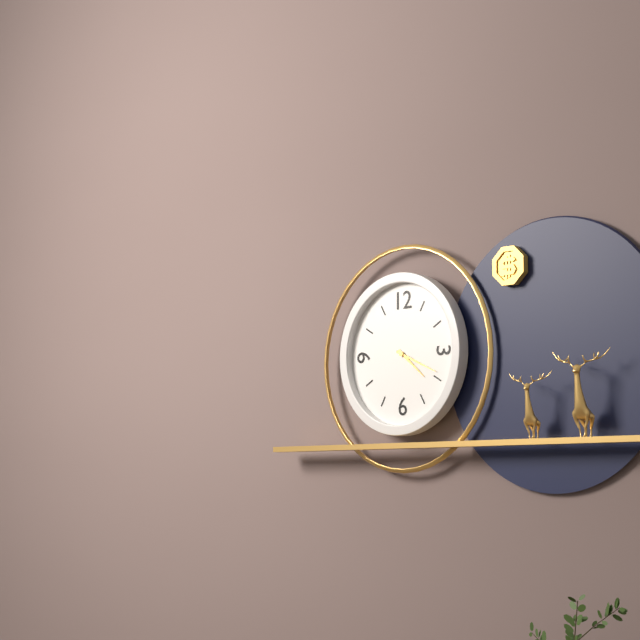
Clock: 4 h 19 min
